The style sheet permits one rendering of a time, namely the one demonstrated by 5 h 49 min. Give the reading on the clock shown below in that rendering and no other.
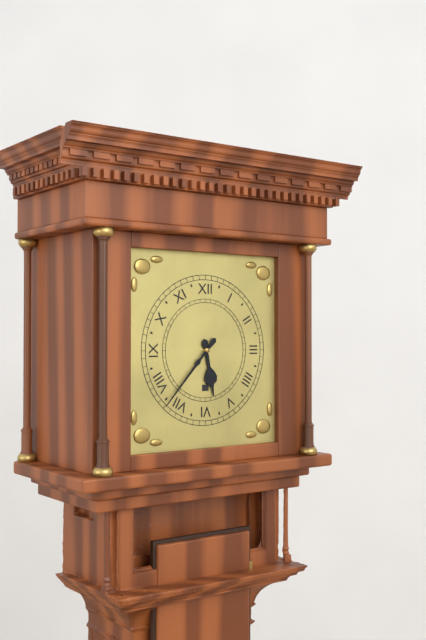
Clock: 5 h 37 min
